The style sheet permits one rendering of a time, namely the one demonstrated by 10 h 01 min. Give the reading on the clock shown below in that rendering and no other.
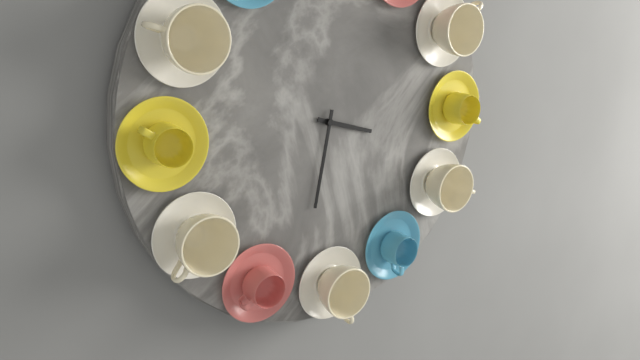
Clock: 3 h 32 min
